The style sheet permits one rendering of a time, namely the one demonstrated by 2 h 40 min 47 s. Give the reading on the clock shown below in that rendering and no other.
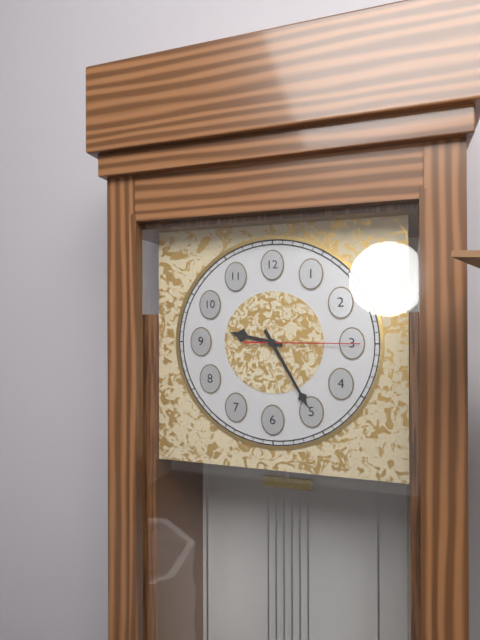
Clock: 9 h 25 min 15 s
